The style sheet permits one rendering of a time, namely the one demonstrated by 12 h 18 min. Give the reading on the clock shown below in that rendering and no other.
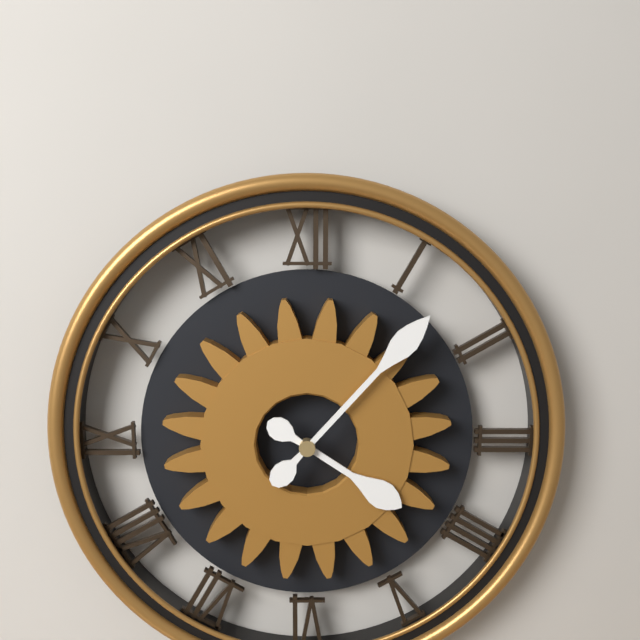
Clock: 4 h 07 min
